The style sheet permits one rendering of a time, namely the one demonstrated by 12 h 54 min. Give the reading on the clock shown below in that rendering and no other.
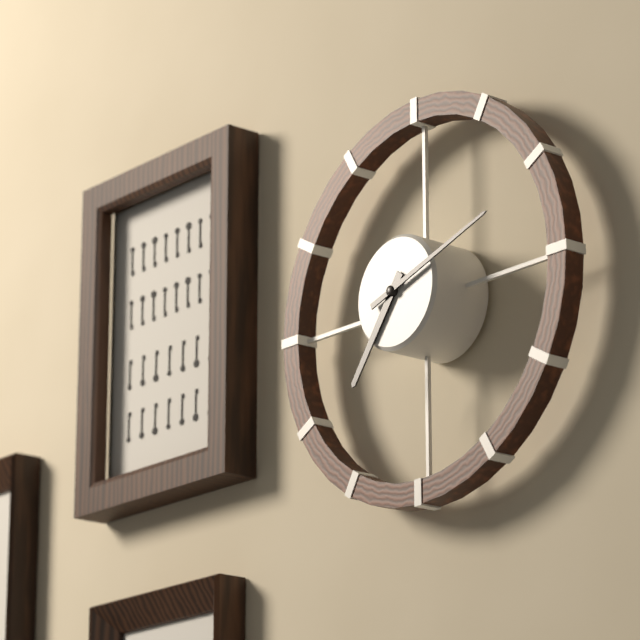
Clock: 7 h 12 min
